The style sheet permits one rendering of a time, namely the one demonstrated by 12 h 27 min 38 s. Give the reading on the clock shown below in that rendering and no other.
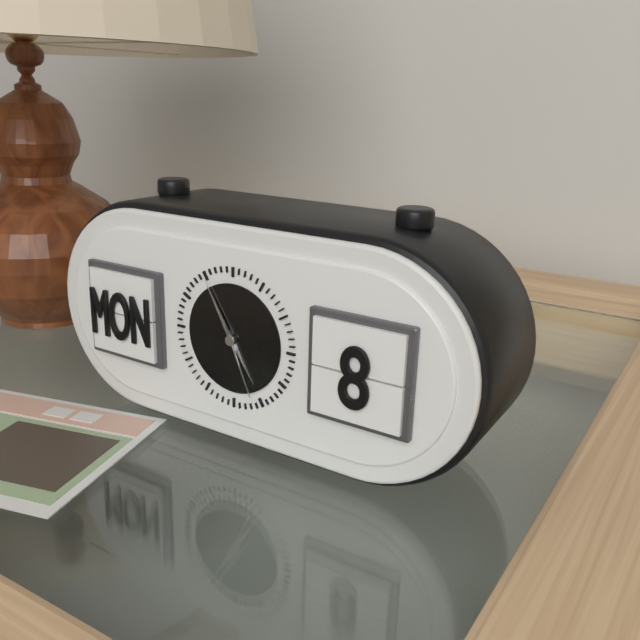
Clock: 4 h 55 min 26 s
